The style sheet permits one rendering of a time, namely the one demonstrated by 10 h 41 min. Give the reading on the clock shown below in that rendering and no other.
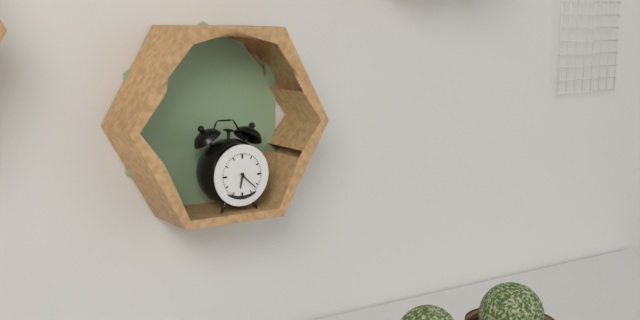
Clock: 6 h 22 min
